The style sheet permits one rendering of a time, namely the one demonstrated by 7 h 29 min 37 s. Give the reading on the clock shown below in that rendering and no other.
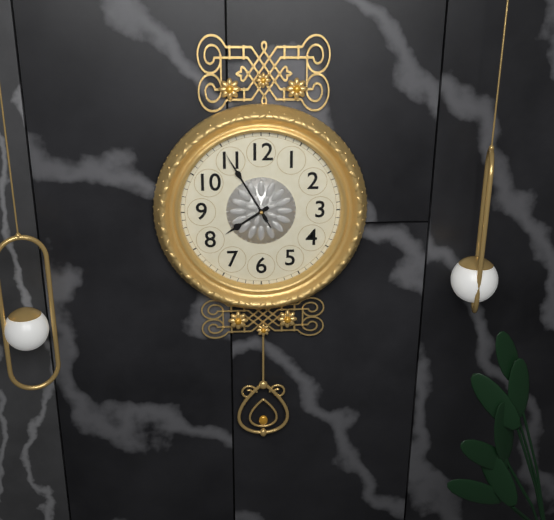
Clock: 7 h 55 min 55 s
